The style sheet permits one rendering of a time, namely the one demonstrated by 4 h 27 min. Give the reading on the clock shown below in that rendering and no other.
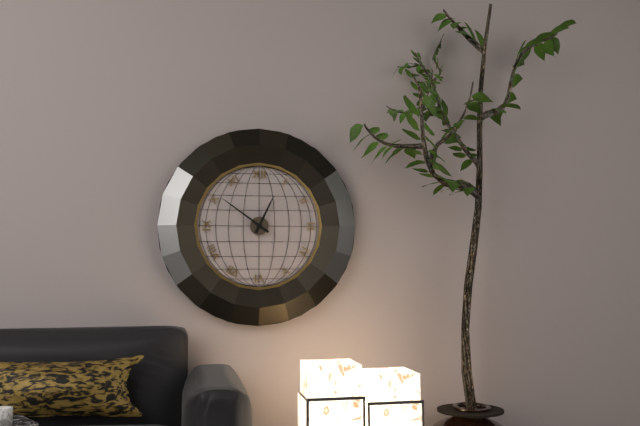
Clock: 12 h 51 min
